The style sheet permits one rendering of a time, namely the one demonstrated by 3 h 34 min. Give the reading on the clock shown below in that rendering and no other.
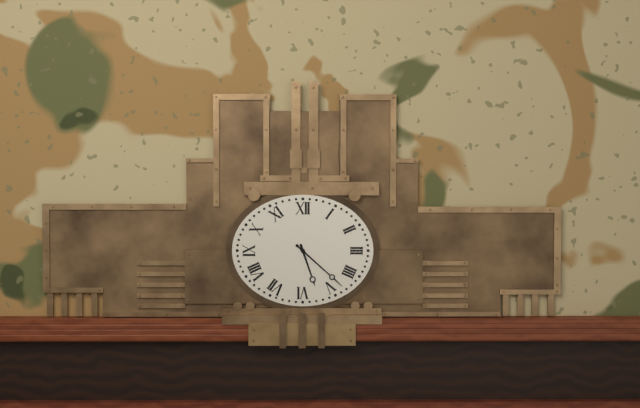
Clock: 5 h 22 min
